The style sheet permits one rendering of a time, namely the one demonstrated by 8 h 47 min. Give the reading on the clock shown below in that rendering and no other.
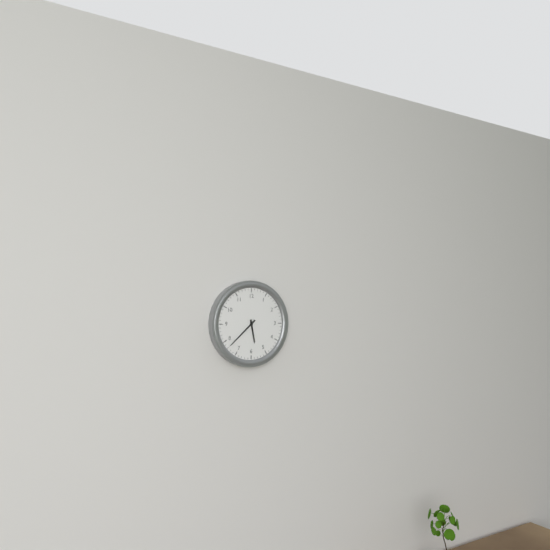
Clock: 5 h 38 min
